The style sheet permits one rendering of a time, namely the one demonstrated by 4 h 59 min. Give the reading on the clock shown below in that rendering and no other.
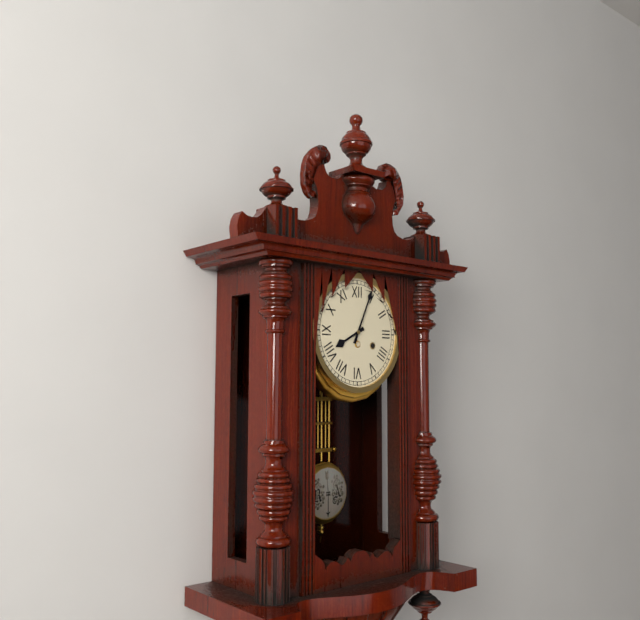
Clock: 8 h 04 min
